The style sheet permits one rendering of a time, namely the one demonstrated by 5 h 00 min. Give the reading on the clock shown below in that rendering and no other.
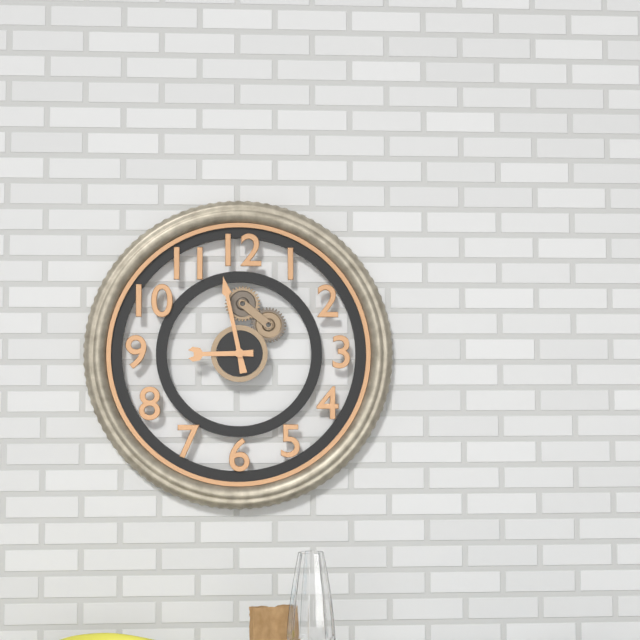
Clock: 8 h 58 min
